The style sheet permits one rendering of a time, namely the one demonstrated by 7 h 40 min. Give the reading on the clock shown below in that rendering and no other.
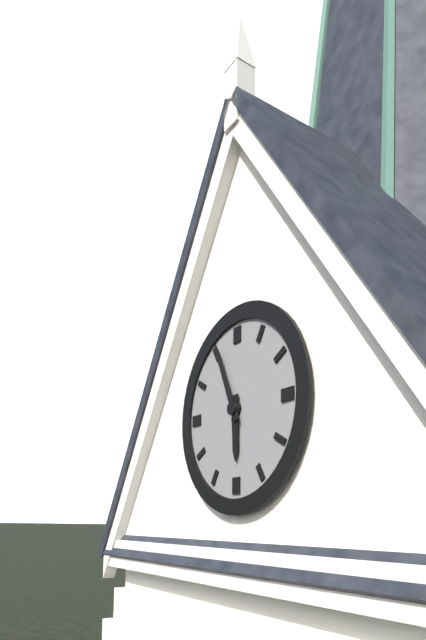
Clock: 5 h 56 min
